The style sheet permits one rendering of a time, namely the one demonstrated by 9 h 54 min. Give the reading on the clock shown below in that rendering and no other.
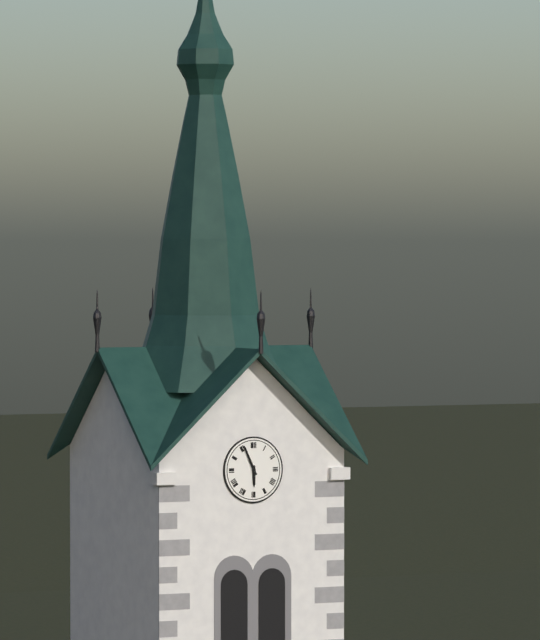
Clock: 5 h 56 min
